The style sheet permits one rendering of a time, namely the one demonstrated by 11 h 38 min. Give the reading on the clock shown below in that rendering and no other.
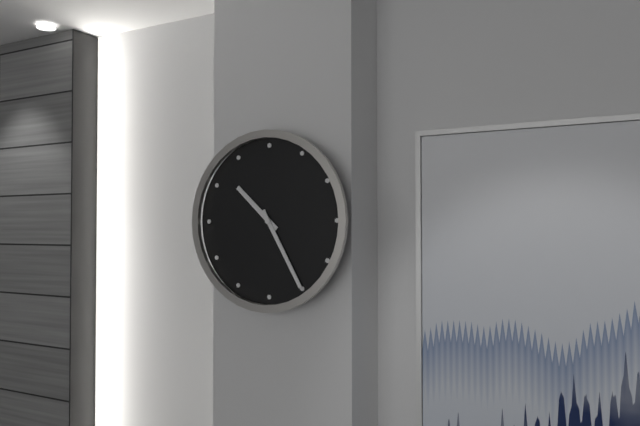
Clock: 10 h 25 min
